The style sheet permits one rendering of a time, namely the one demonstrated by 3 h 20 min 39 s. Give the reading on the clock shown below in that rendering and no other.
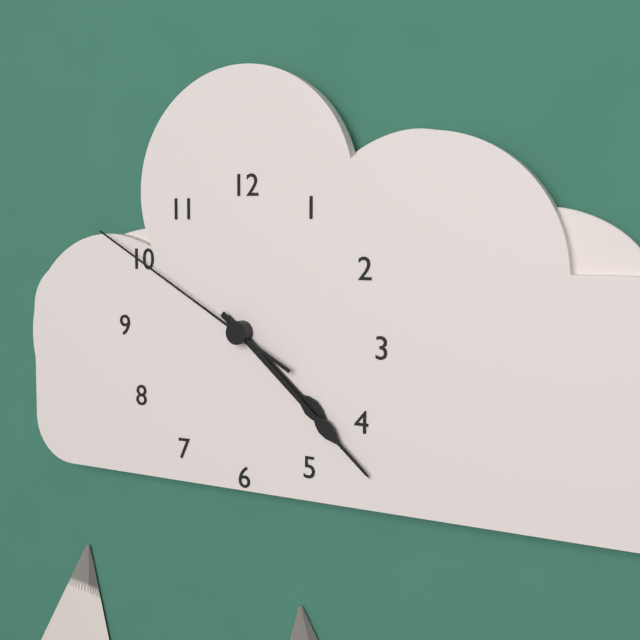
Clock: 4 h 22 min 50 s
